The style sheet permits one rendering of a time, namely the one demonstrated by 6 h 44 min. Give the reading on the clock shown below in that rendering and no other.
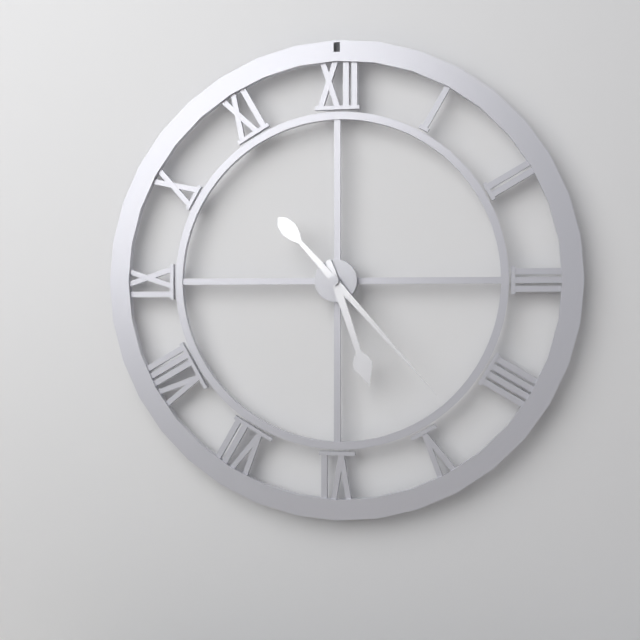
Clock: 5 h 23 min
